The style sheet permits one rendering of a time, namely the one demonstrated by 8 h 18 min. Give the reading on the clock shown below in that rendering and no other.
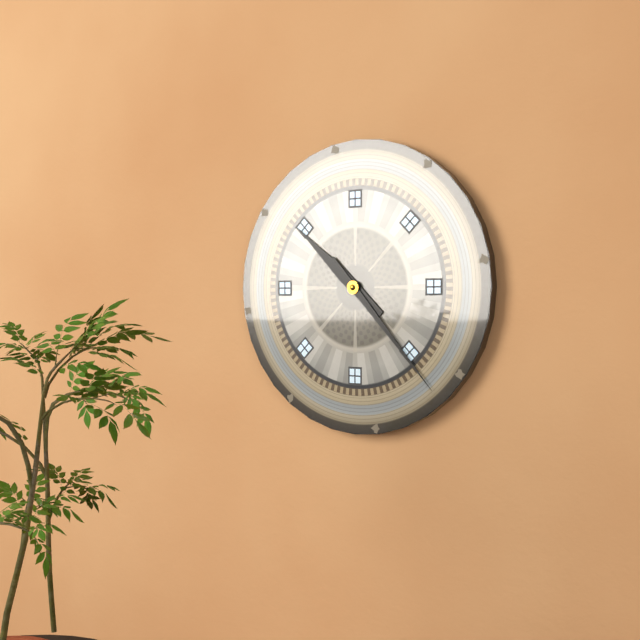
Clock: 10 h 23 min
